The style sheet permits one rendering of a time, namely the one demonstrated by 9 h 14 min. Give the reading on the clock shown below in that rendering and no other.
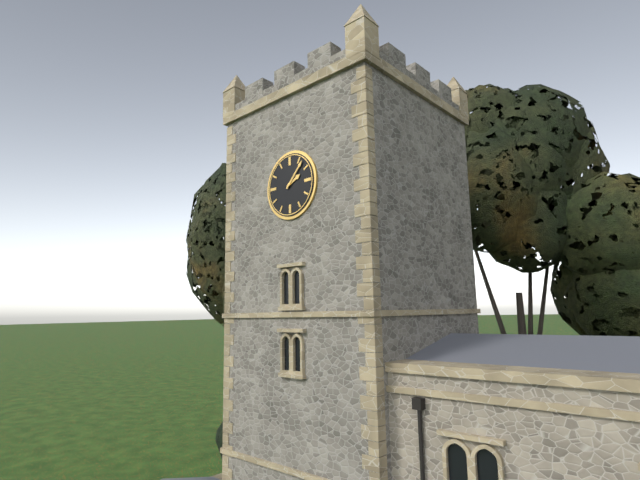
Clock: 2 h 07 min
